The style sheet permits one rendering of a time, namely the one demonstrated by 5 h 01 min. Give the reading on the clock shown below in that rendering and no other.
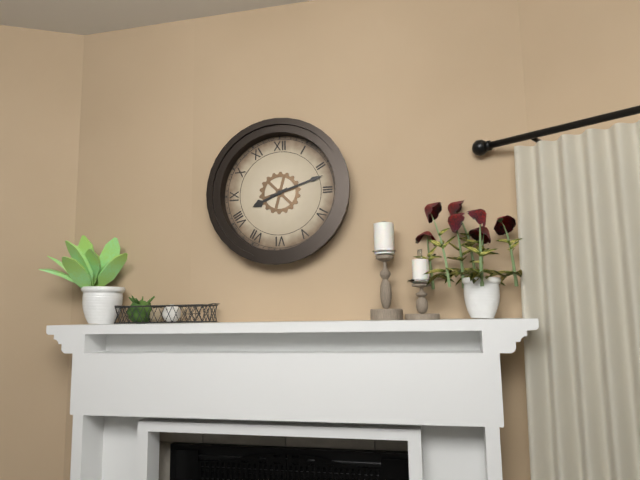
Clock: 8 h 12 min
